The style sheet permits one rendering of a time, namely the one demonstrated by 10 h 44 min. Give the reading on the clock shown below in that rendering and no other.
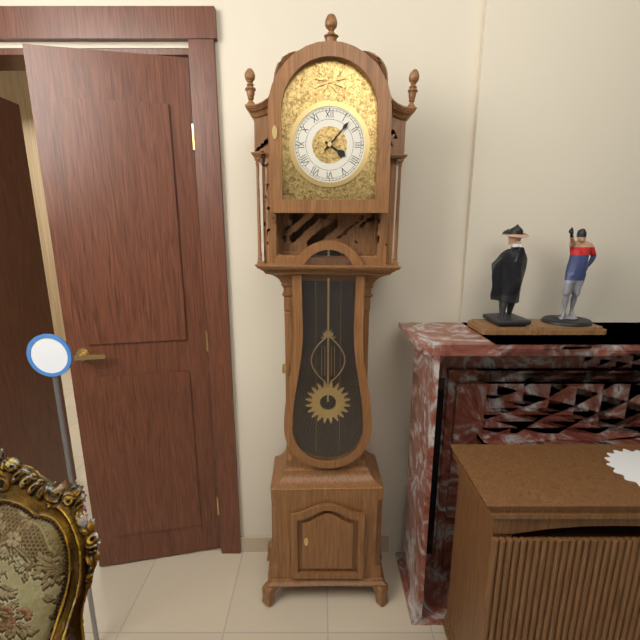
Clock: 4 h 07 min
